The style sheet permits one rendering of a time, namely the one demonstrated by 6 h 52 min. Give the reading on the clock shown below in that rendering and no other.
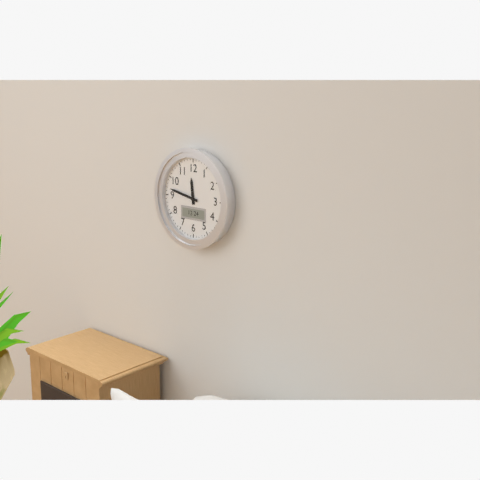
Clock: 11 h 47 min
